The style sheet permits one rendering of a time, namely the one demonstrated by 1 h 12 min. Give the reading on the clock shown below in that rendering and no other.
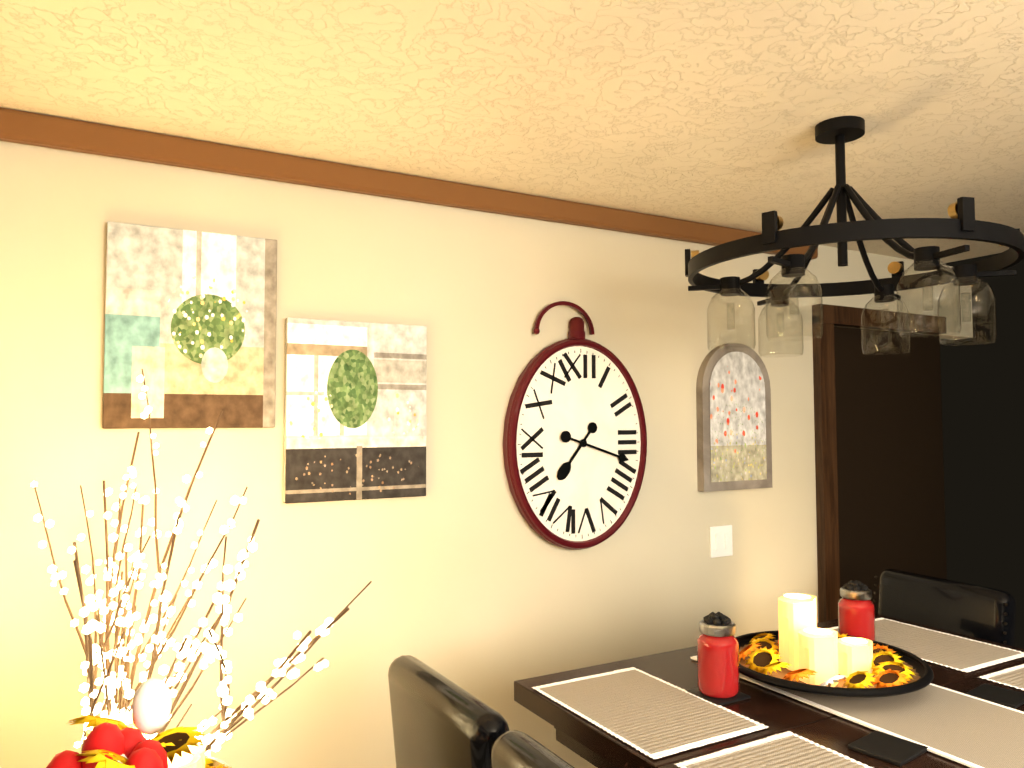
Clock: 7 h 18 min
